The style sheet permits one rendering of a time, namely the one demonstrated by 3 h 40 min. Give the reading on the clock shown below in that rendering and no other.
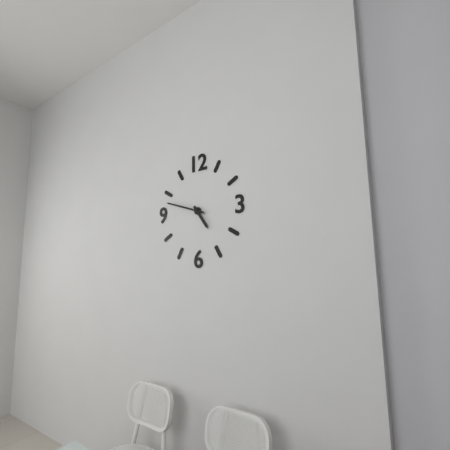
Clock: 4 h 48 min
